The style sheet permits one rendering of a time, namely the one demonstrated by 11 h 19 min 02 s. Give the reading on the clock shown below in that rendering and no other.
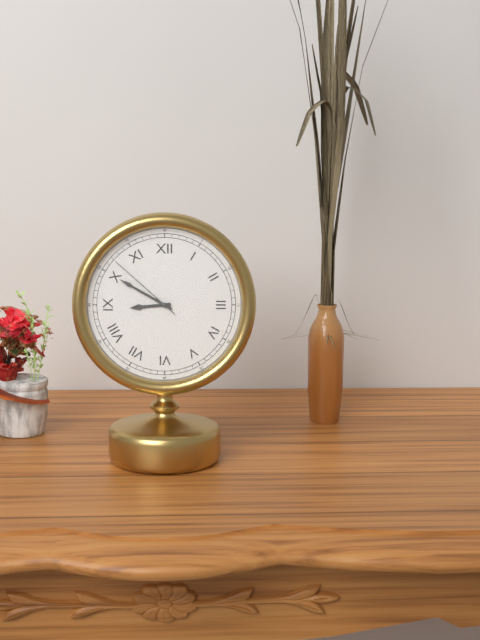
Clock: 8 h 50 min 52 s
